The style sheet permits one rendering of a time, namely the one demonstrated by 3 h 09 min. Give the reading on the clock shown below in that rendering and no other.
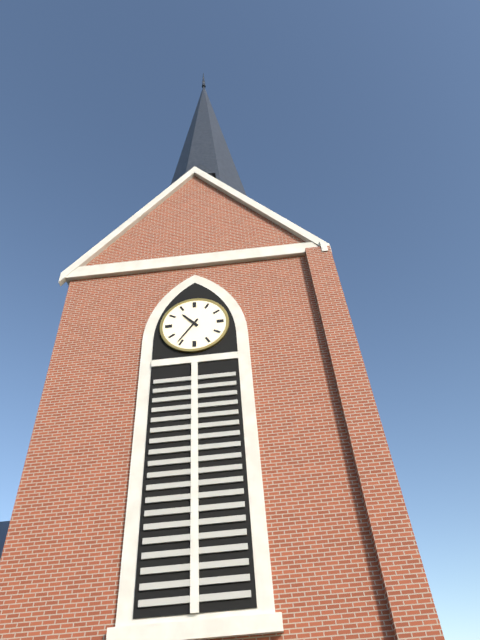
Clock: 10 h 36 min
